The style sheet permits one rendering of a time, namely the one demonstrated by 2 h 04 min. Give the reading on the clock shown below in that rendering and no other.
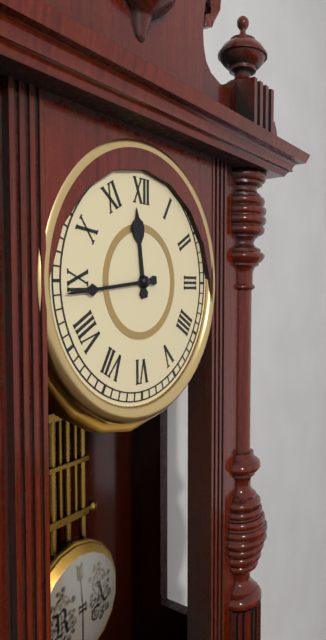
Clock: 11 h 44 min
